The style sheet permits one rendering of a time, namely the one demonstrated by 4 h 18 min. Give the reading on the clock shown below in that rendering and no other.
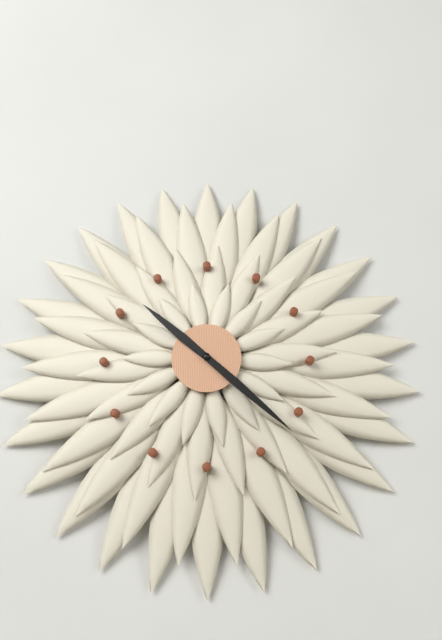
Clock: 10 h 22 min
